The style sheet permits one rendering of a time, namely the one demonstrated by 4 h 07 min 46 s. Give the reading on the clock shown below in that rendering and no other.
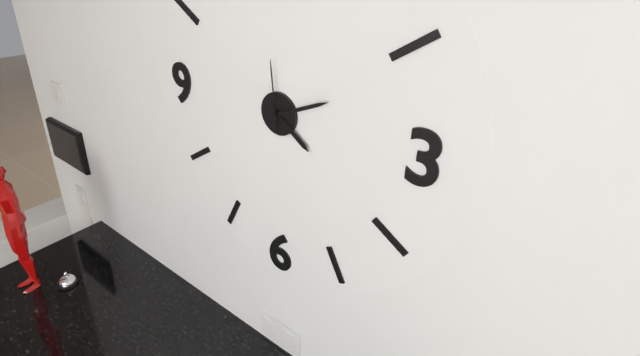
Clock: 4 h 11 min 59 s
